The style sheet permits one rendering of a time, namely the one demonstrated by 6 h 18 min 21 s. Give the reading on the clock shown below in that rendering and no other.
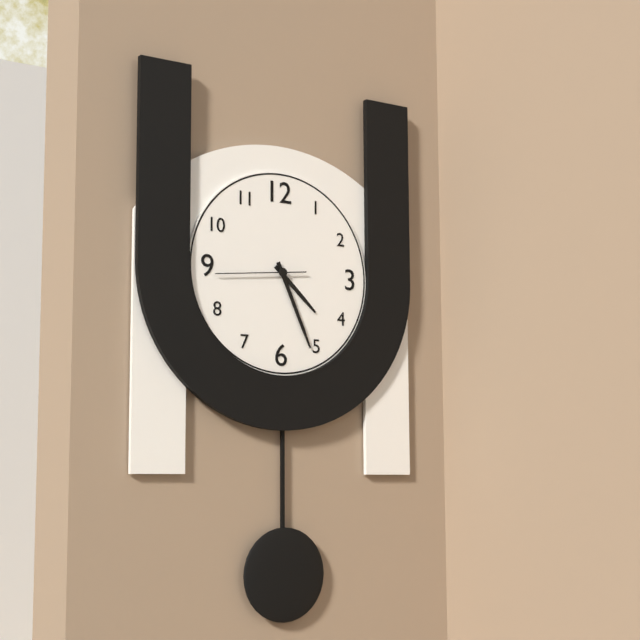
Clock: 4 h 26 min 44 s
